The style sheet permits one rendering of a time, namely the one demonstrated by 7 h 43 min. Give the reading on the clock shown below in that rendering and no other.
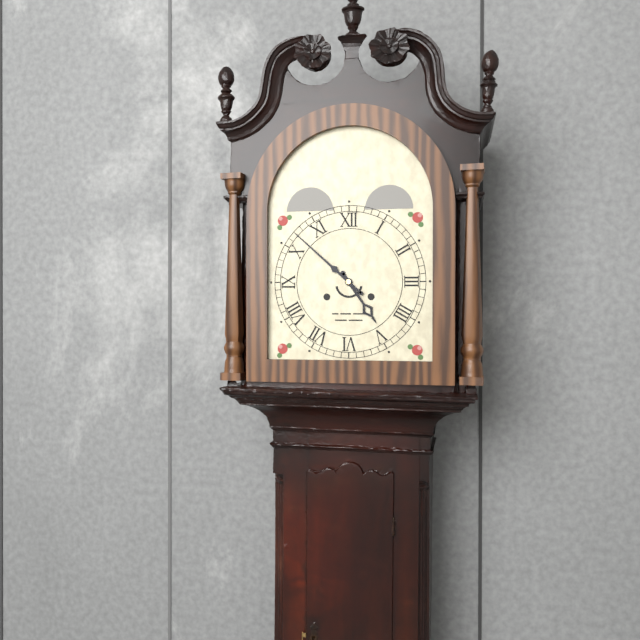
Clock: 4 h 52 min
